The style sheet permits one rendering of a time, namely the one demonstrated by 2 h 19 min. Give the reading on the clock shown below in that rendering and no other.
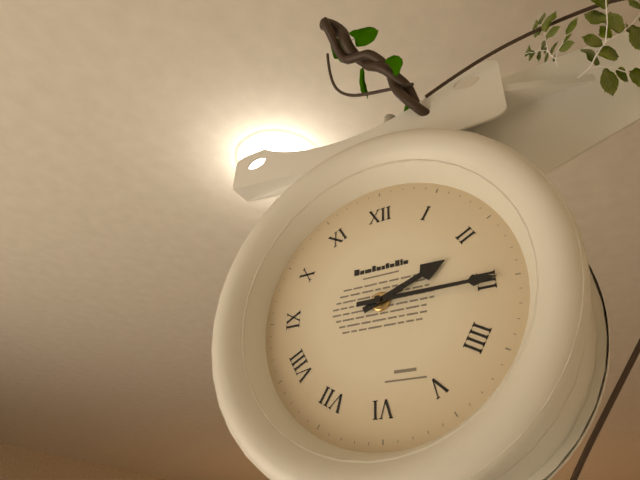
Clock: 2 h 15 min
